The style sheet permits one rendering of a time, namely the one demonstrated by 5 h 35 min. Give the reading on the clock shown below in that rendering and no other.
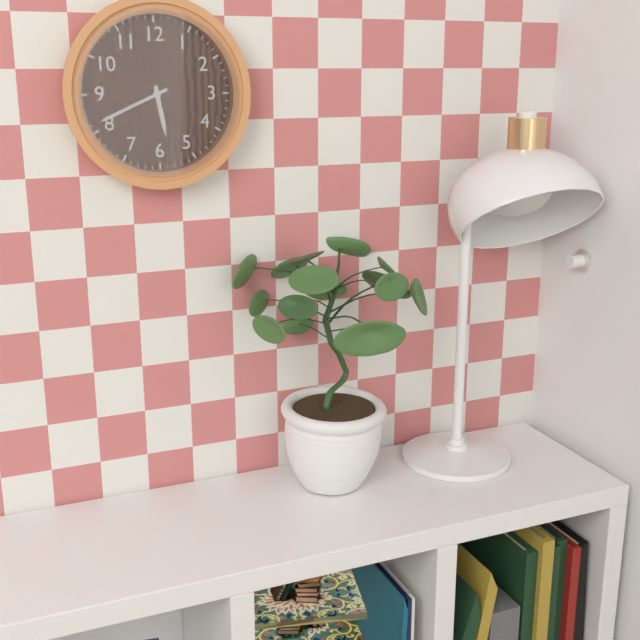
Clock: 5 h 41 min
